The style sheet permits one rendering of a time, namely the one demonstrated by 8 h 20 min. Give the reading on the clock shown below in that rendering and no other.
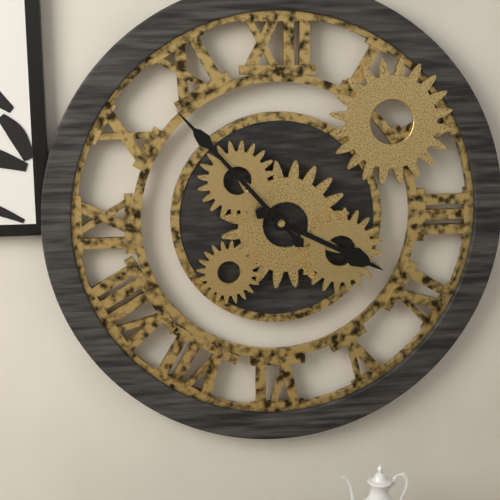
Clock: 3 h 53 min
